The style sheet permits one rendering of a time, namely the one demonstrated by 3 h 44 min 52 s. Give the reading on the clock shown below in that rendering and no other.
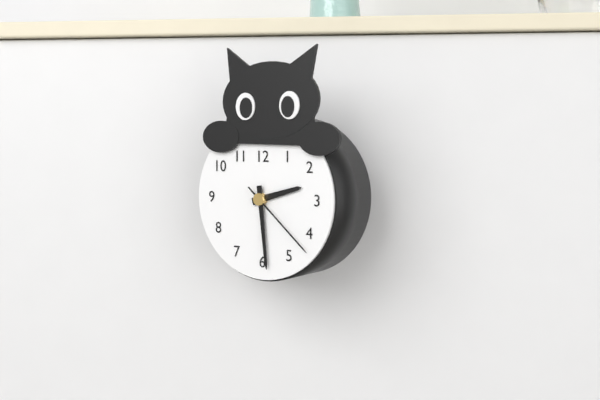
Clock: 2 h 29 min 22 s
